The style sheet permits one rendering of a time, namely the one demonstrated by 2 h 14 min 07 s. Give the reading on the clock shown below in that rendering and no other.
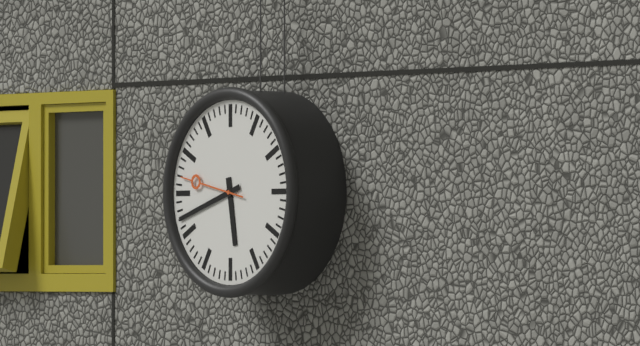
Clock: 5 h 42 min 47 s
